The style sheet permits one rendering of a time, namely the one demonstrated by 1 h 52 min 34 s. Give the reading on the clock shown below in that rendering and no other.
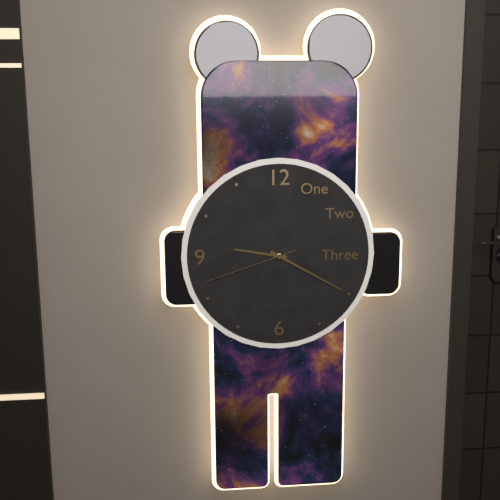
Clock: 9 h 20 min 42 s
